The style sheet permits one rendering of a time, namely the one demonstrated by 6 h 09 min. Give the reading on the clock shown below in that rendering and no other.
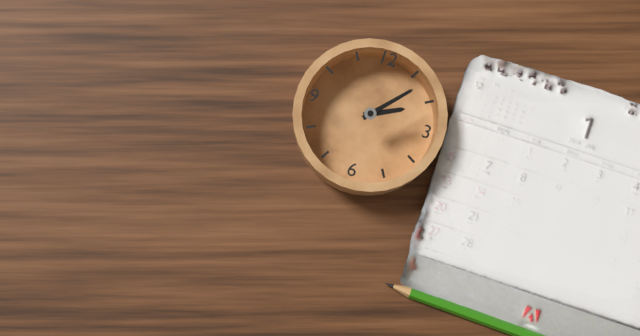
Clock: 2 h 07 min
